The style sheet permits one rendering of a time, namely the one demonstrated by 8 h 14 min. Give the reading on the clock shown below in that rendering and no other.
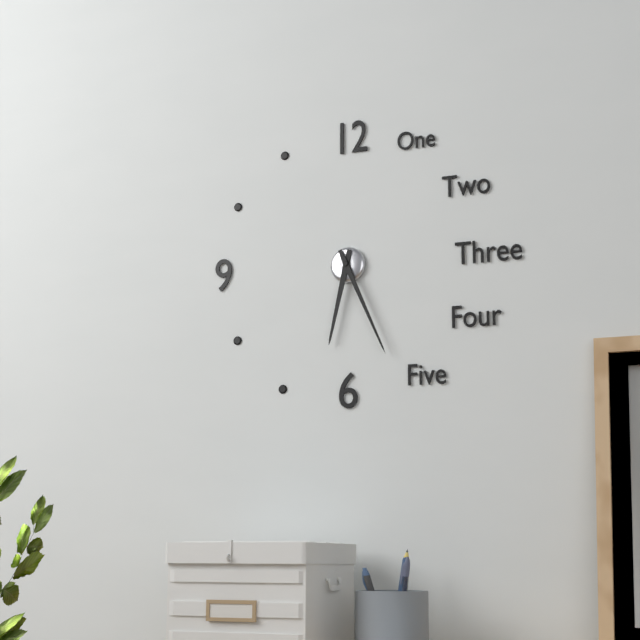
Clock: 6 h 26 min
